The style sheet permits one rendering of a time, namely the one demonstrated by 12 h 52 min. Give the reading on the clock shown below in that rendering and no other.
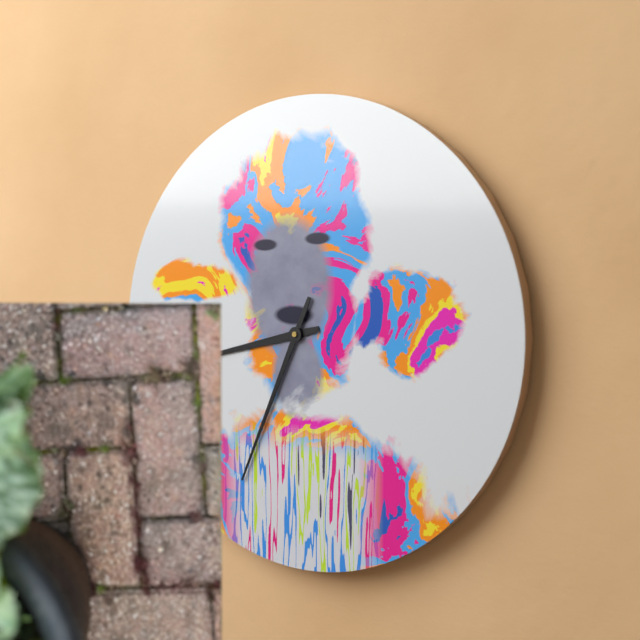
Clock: 8 h 34 min
